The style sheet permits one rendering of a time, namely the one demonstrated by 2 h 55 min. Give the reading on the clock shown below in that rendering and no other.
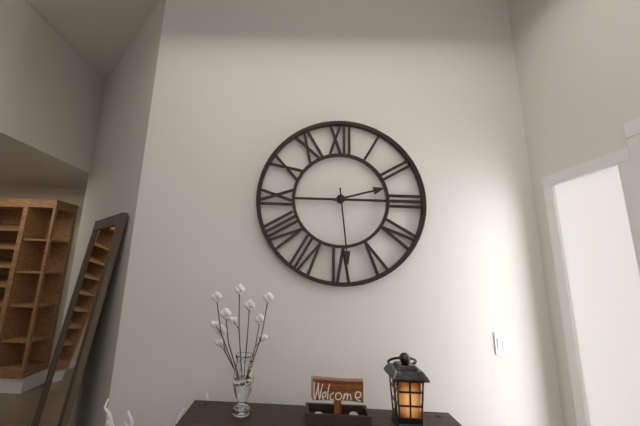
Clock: 2 h 29 min
